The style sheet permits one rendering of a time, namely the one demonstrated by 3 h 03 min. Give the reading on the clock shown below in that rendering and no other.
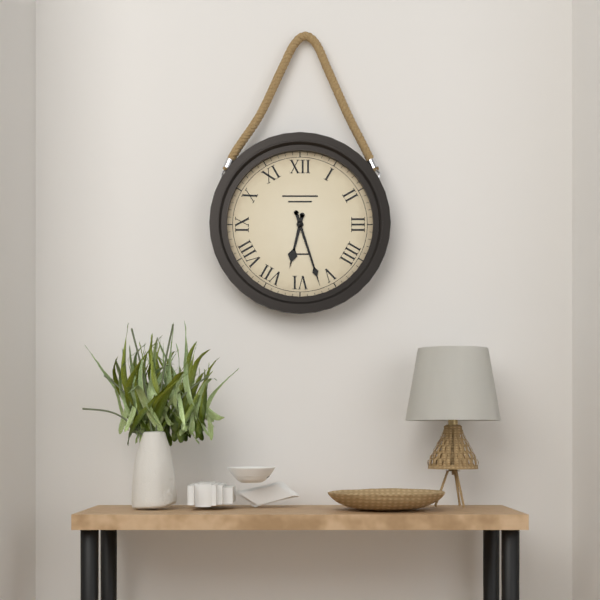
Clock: 6 h 27 min
